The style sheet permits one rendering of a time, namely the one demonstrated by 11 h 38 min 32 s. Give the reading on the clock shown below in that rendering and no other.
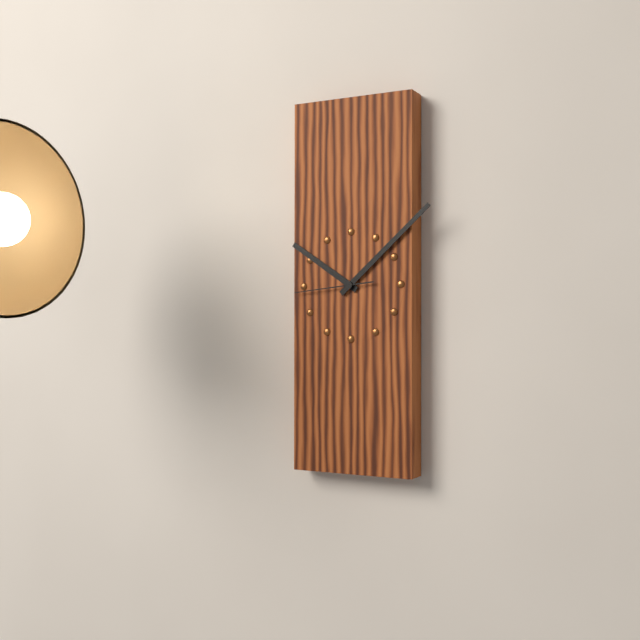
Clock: 10 h 08 min 44 s
